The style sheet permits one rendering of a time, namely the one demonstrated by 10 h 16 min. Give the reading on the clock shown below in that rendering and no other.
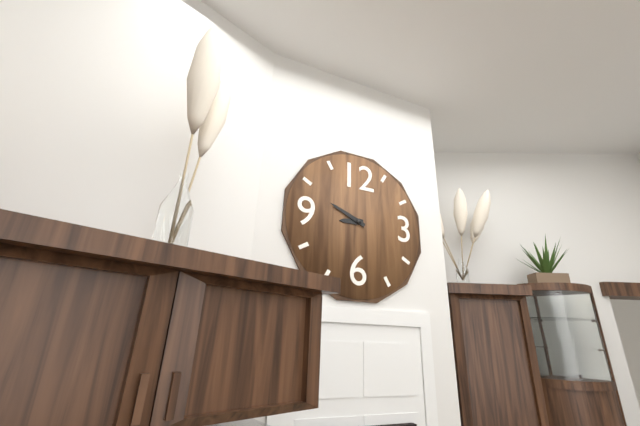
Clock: 8 h 49 min
